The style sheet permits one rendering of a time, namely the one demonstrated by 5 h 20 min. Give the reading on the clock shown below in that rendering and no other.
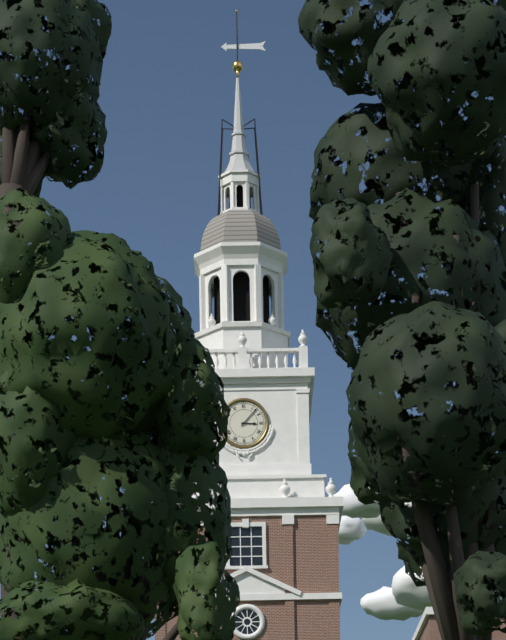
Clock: 3 h 07 min
